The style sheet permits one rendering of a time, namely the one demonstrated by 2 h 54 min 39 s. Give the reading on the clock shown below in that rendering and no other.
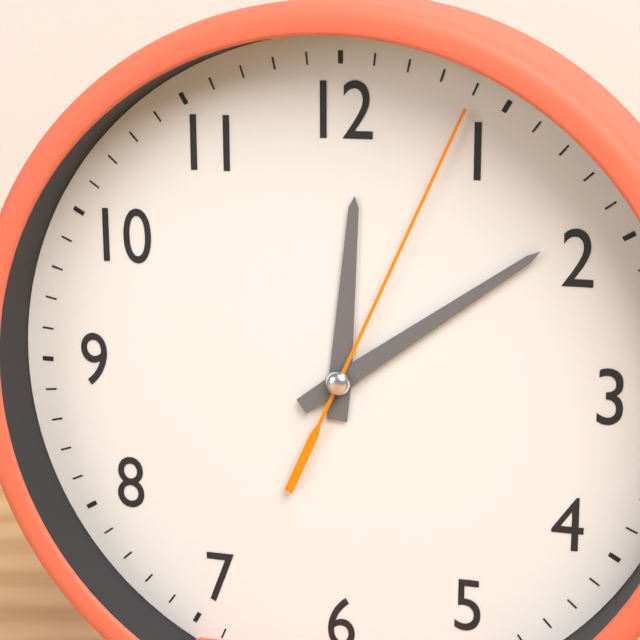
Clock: 12 h 09 min 04 s
